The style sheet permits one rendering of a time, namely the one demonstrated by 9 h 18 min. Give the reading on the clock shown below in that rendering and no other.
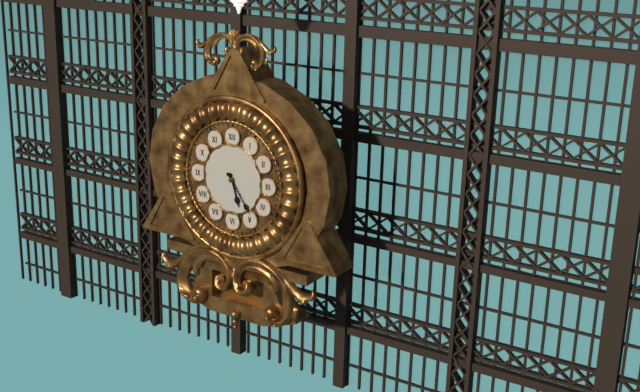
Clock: 5 h 24 min
